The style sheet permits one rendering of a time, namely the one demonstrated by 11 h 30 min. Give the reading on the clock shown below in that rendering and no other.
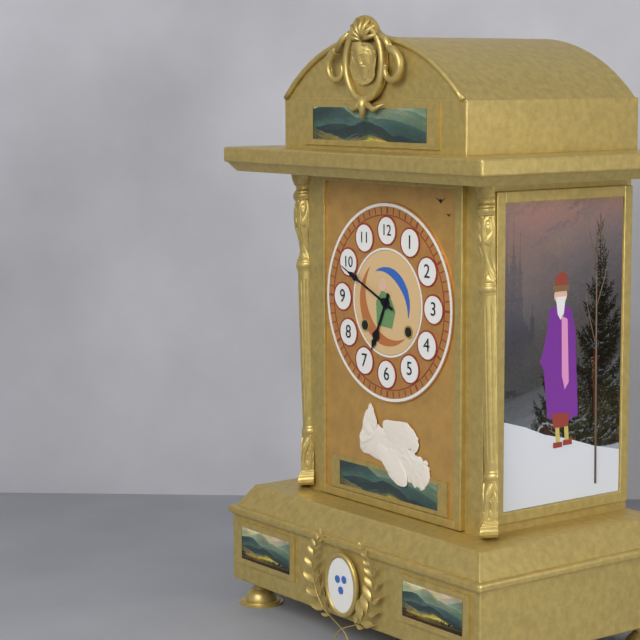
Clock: 6 h 49 min
